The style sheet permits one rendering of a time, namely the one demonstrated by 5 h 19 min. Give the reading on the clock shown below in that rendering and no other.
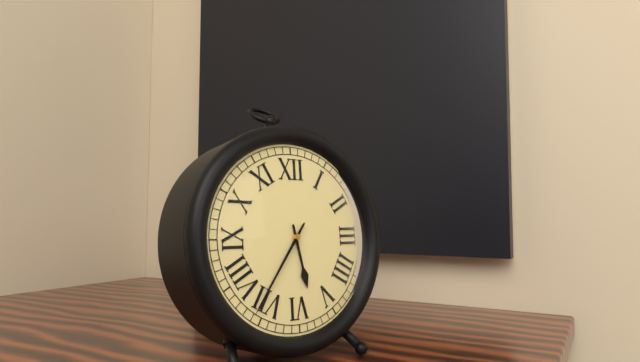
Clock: 5 h 36 min
